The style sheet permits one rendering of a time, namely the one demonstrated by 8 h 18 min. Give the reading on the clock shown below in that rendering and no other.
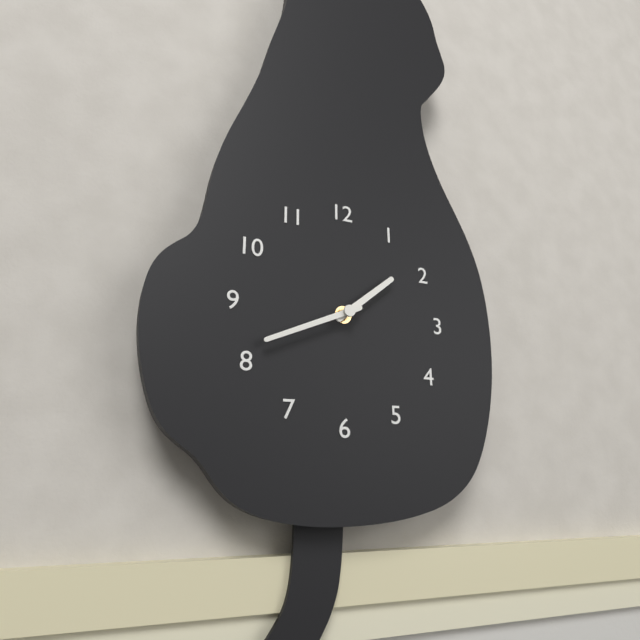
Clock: 1 h 41 min
